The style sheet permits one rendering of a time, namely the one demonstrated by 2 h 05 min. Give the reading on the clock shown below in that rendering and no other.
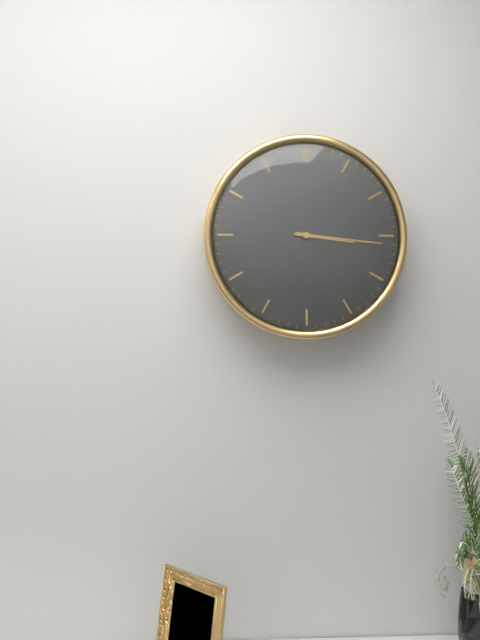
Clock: 3 h 16 min
